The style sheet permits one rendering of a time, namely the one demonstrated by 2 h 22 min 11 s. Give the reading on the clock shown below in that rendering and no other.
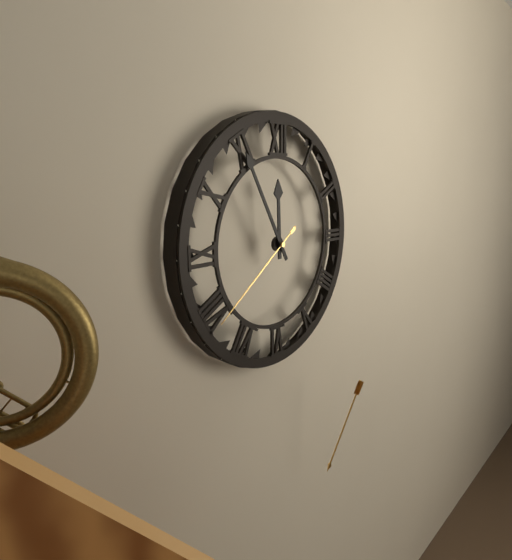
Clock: 11 h 55 min 39 s
